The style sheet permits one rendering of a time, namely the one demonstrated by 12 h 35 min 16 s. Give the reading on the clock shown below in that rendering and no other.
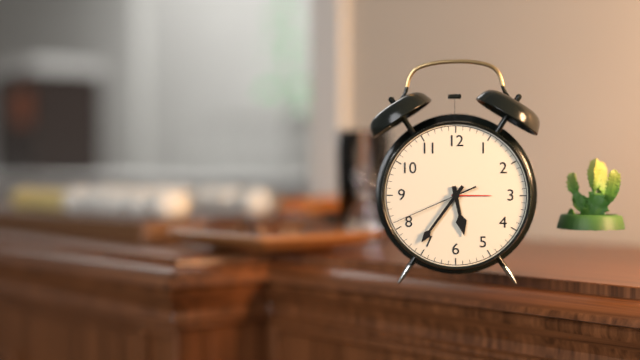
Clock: 5 h 36 min 41 s
